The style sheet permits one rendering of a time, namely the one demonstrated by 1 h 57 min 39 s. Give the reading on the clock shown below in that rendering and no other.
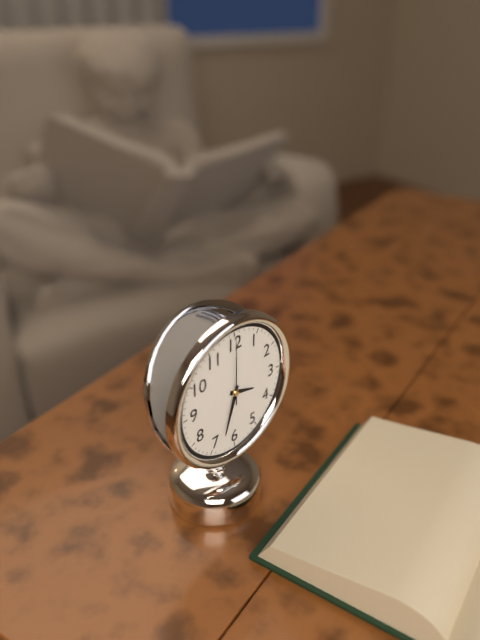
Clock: 3 h 33 min 00 s
